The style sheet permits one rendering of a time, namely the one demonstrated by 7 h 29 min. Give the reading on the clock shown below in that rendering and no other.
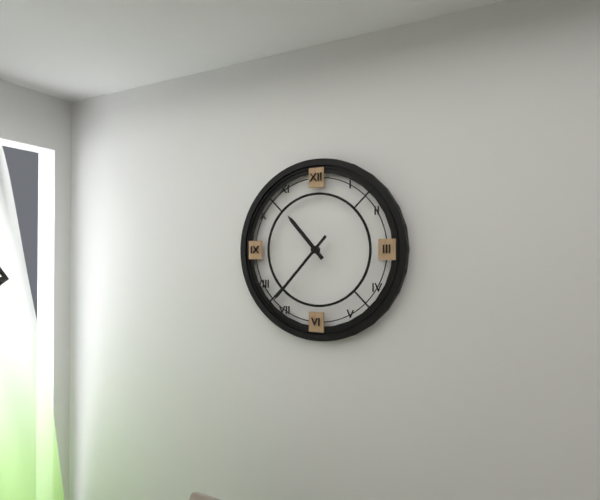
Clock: 10 h 37 min
